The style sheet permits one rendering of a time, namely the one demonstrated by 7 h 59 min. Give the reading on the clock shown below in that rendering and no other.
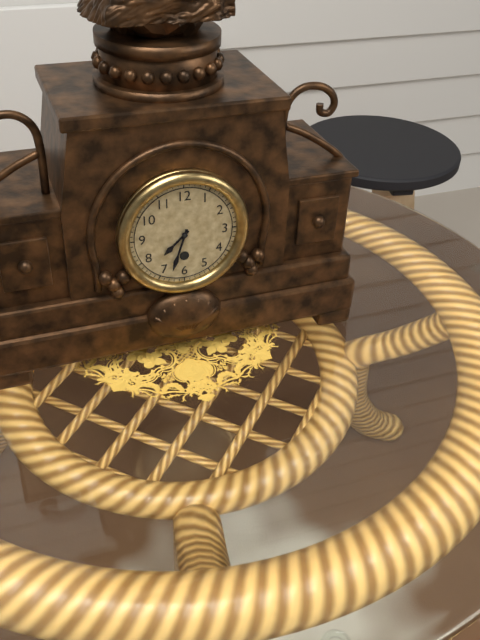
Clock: 7 h 33 min
